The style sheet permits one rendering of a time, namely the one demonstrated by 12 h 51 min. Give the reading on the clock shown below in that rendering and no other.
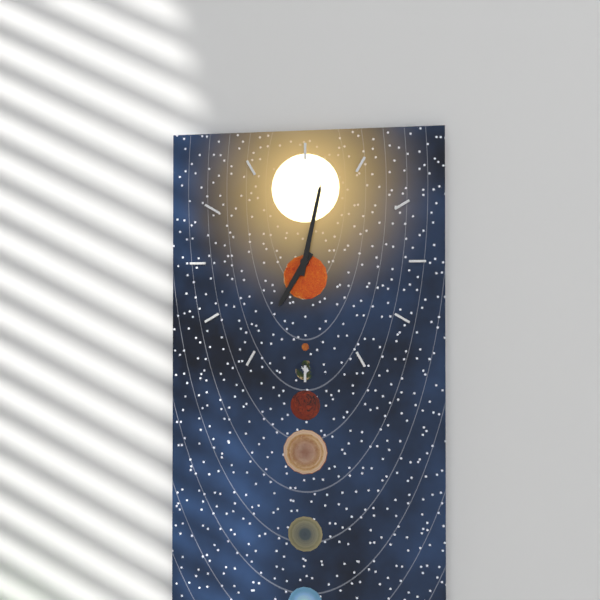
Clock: 7 h 02 min
